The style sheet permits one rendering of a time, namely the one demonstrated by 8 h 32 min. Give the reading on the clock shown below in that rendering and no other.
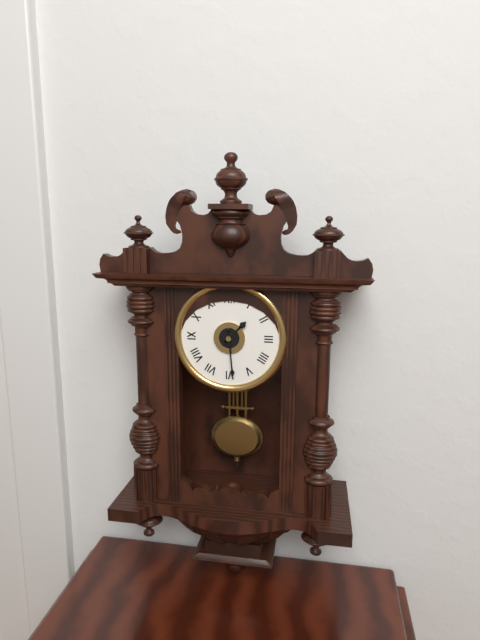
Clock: 1 h 29 min
